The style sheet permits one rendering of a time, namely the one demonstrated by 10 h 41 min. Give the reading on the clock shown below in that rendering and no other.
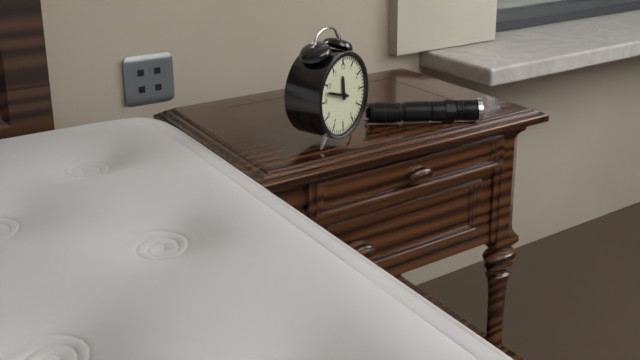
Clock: 11 h 48 min
